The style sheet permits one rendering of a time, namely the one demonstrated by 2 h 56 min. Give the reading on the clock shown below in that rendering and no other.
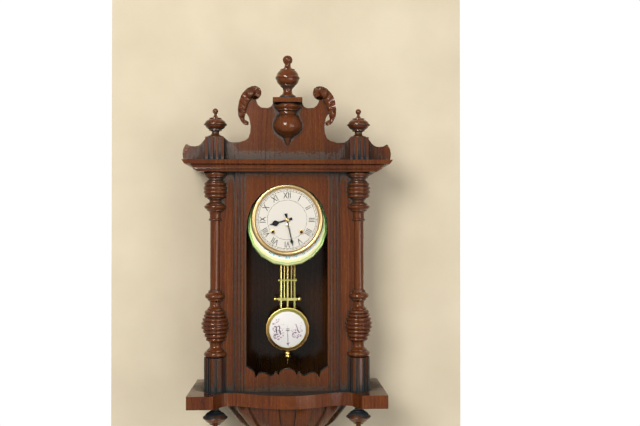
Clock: 8 h 28 min
